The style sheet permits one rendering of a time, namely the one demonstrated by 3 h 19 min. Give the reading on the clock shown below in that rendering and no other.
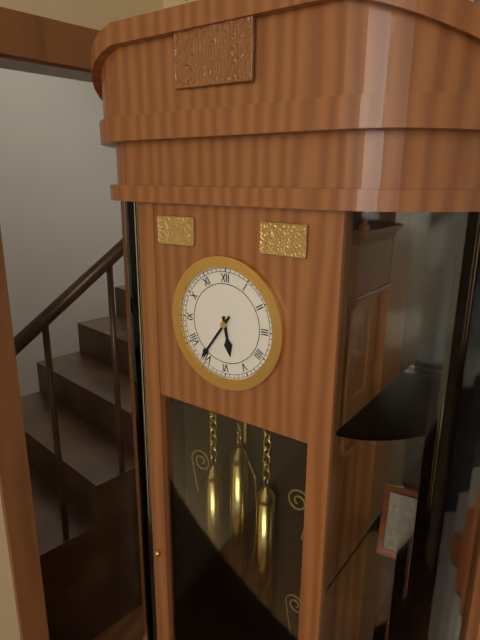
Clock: 5 h 36 min
